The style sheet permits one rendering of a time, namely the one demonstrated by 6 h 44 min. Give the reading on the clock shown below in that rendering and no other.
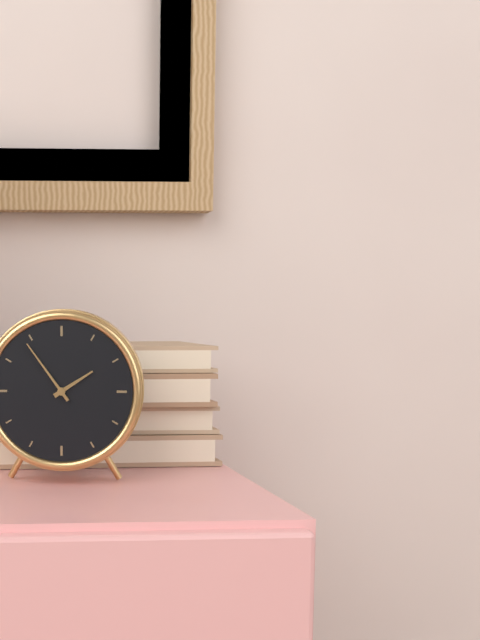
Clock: 1 h 54 min
